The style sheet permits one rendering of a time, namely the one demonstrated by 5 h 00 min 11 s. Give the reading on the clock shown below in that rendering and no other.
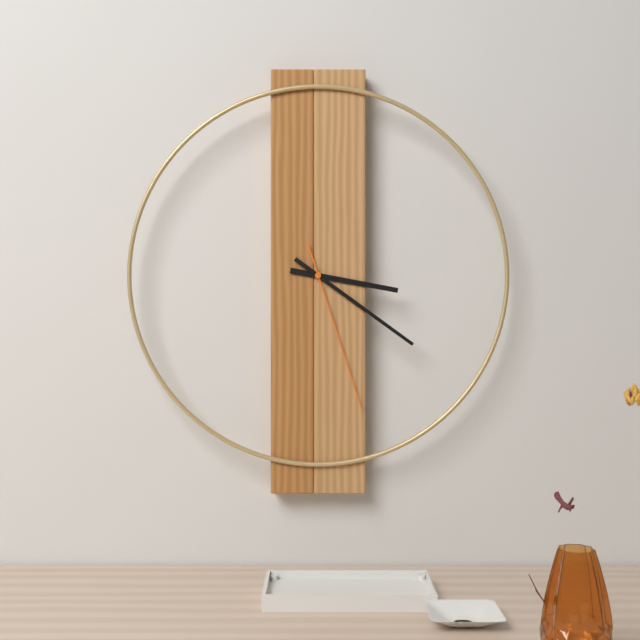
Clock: 3 h 21 min 27 s
